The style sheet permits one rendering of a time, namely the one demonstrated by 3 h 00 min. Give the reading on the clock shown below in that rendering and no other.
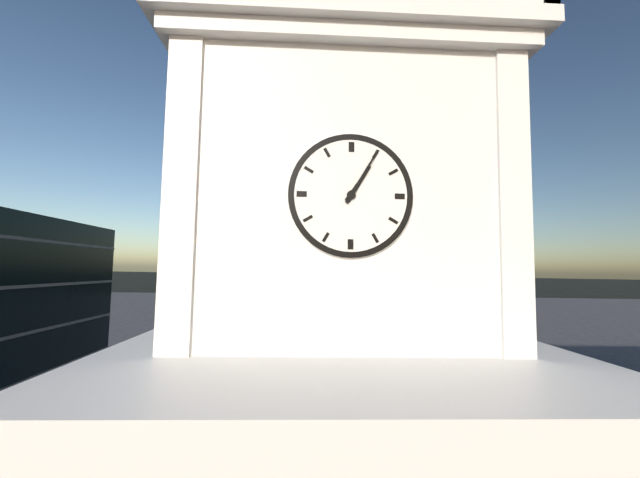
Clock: 1 h 05 min
